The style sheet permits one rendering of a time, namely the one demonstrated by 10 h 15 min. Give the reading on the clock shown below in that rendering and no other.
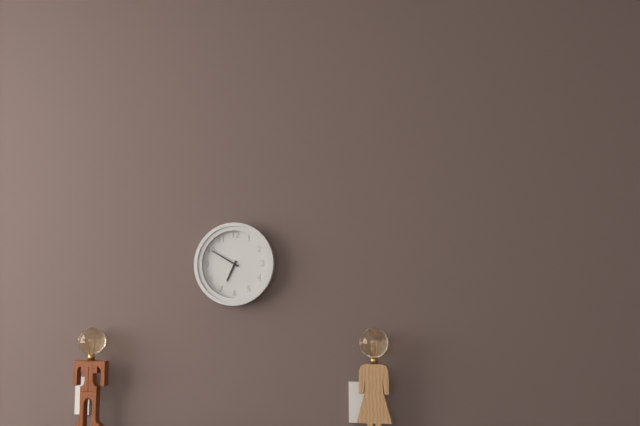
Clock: 6 h 50 min
